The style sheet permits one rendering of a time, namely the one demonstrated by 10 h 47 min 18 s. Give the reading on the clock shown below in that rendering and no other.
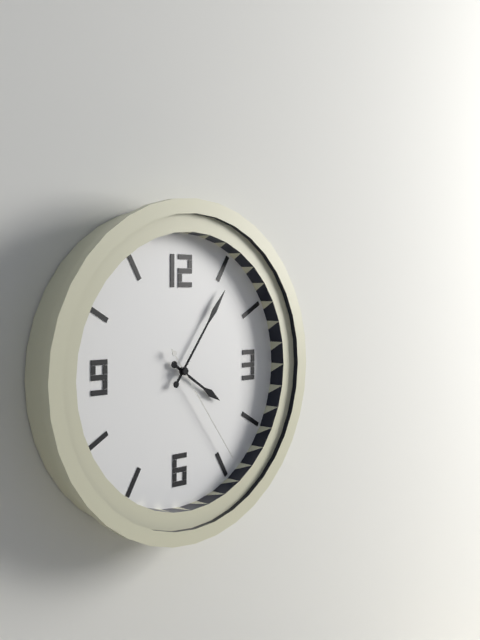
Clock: 4 h 06 min 24 s
